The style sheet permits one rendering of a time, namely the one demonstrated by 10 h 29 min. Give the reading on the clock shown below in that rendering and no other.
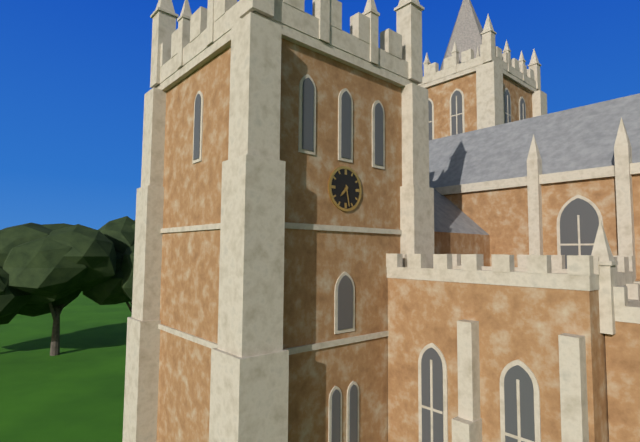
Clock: 7 h 28 min
